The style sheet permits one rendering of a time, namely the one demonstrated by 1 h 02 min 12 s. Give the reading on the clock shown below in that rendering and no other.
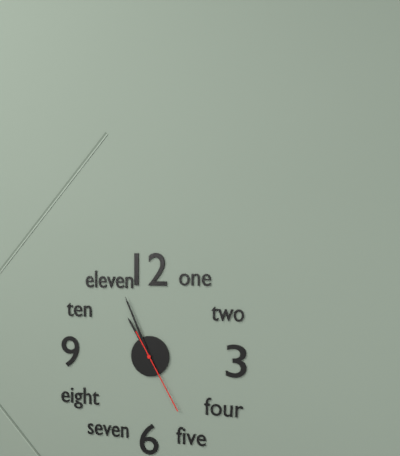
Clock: 10 h 56 min 25 s
